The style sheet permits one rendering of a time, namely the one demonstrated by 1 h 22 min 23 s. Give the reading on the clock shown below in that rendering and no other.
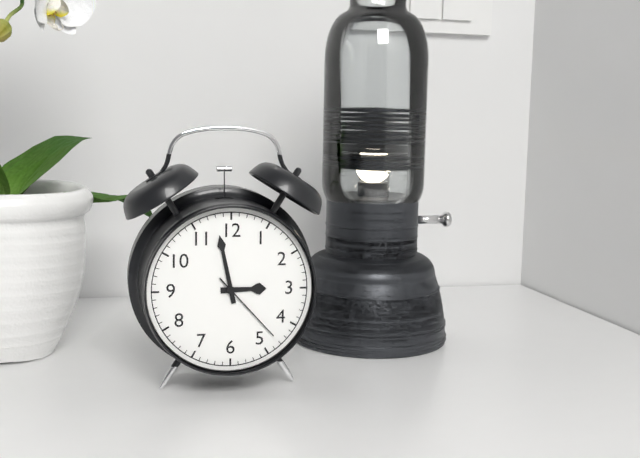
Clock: 2 h 58 min 23 s
